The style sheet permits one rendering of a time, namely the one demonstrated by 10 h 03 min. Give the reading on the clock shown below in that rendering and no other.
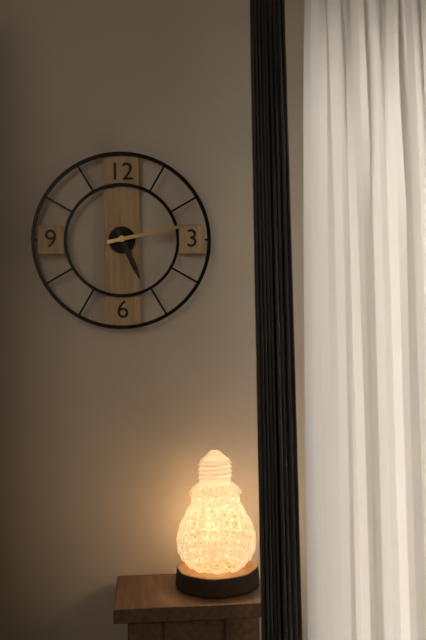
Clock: 5 h 13 min
